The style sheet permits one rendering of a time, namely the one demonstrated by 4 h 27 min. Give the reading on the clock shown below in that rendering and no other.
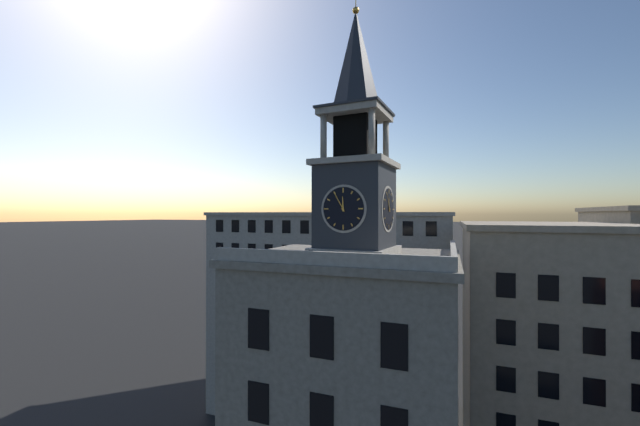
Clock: 11 h 55 min
